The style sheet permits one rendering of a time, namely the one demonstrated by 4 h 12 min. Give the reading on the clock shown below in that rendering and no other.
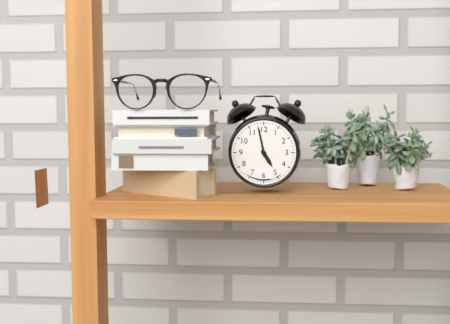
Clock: 4 h 58 min
